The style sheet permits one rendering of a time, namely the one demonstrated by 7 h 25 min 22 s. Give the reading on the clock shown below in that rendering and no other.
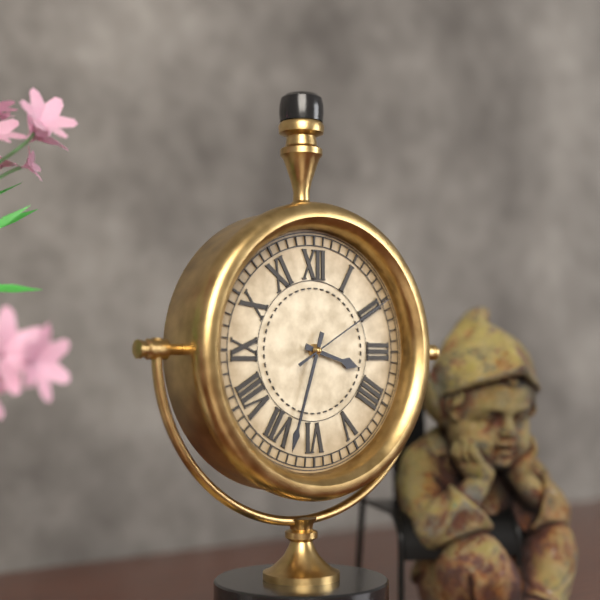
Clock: 3 h 33 min 10 s
